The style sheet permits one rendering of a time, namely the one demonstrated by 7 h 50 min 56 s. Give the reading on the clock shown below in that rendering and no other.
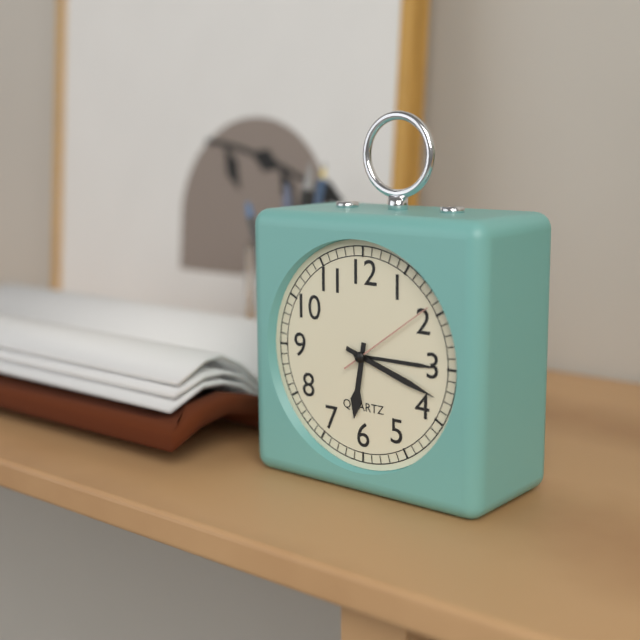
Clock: 6 h 18 min 09 s
